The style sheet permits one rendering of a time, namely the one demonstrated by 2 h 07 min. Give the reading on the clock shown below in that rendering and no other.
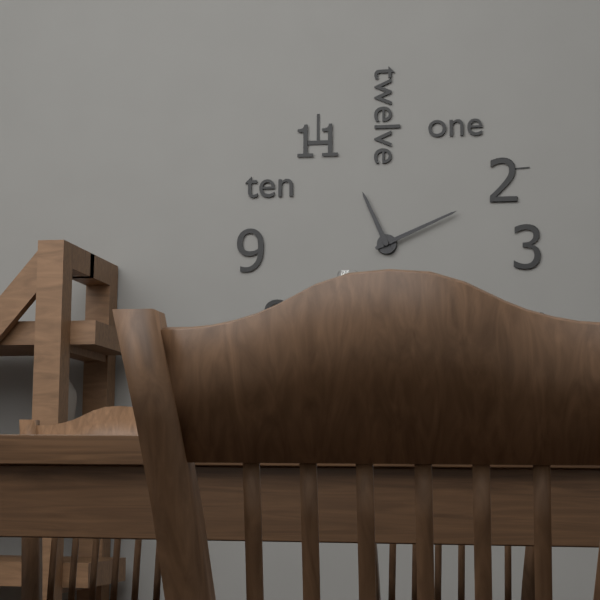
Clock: 11 h 11 min
